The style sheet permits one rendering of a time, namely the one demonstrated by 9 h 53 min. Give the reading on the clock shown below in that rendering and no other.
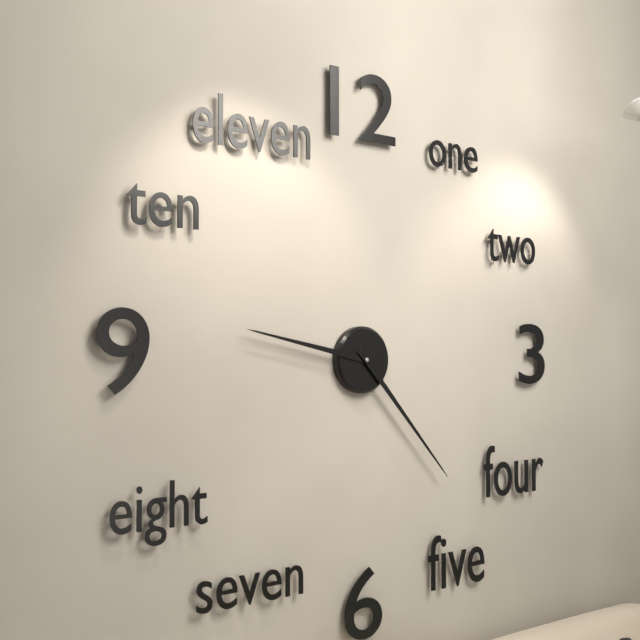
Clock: 9 h 23 min
